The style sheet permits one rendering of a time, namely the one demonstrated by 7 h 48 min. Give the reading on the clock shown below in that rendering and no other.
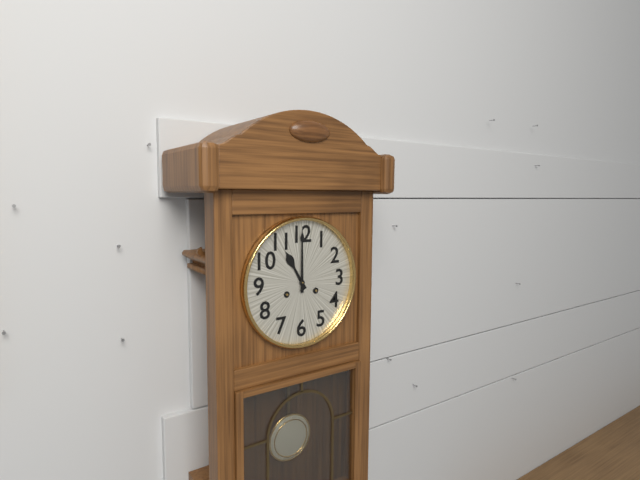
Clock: 11 h 00 min
